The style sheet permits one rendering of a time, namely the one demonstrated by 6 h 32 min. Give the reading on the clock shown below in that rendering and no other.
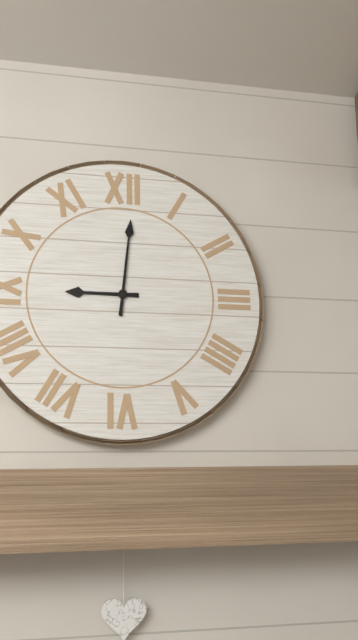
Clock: 9 h 01 min
